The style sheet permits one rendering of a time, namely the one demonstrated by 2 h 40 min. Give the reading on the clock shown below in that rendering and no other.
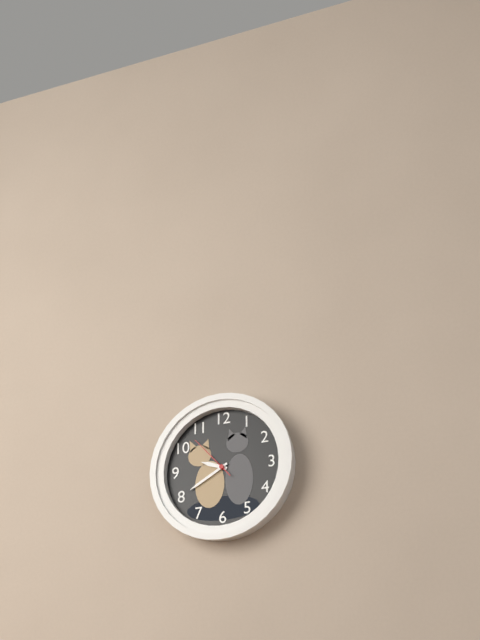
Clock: 9 h 40 min
